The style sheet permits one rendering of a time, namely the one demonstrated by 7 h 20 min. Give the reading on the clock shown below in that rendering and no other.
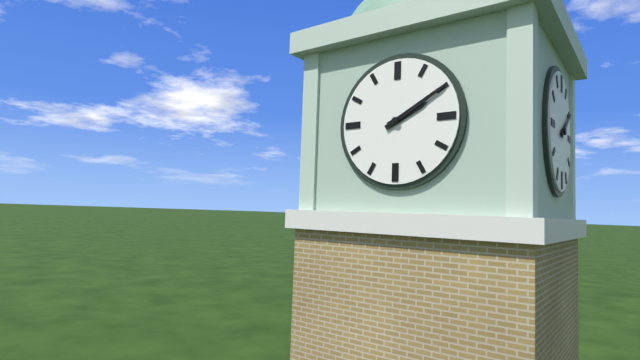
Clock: 2 h 10 min
